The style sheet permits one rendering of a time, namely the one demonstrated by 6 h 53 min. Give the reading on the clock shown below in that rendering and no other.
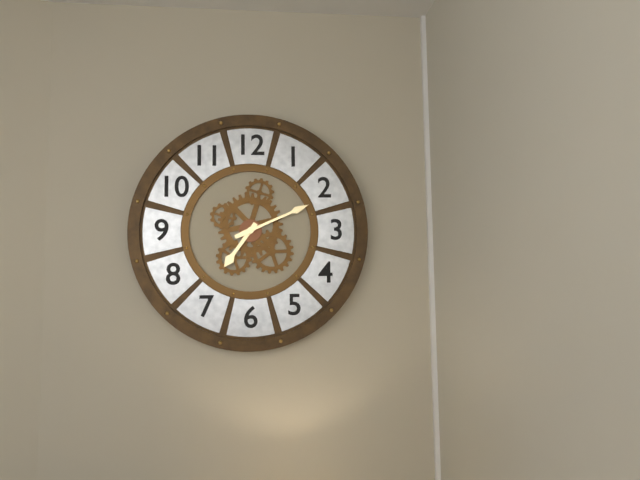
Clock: 7 h 11 min
